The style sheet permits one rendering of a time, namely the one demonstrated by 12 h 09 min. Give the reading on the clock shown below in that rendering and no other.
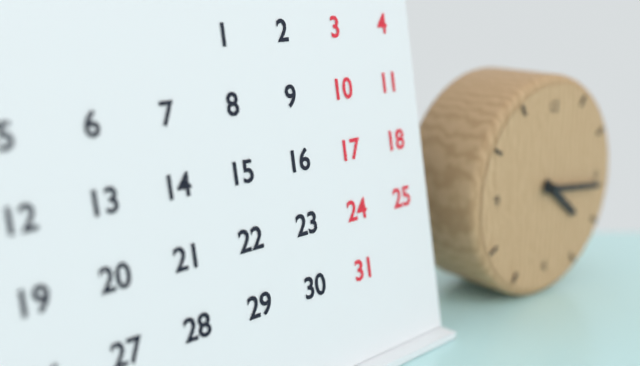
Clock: 4 h 16 min
